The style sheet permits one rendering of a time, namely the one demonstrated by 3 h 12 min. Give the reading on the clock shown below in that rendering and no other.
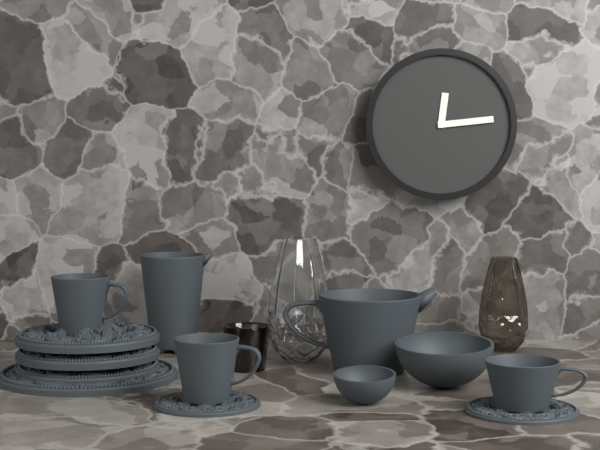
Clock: 12 h 14 min
